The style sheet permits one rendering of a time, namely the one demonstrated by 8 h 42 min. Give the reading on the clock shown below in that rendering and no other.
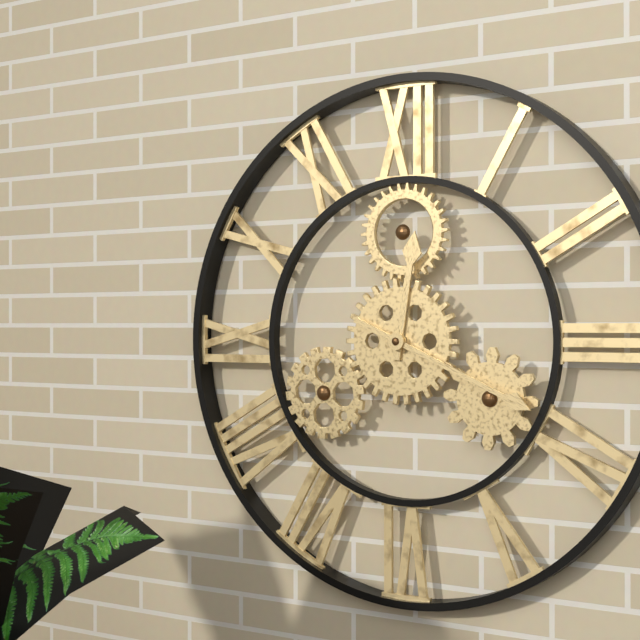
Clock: 12 h 19 min
